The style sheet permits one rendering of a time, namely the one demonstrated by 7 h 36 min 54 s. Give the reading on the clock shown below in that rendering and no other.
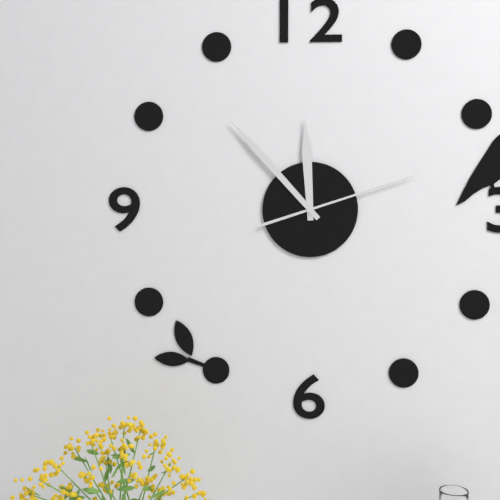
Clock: 11 h 53 min 12 s
